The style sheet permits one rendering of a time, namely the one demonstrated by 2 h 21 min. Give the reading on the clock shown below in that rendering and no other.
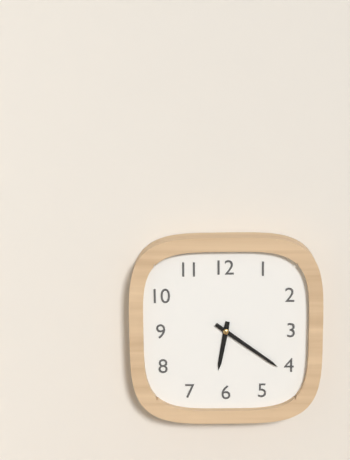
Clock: 6 h 21 min
